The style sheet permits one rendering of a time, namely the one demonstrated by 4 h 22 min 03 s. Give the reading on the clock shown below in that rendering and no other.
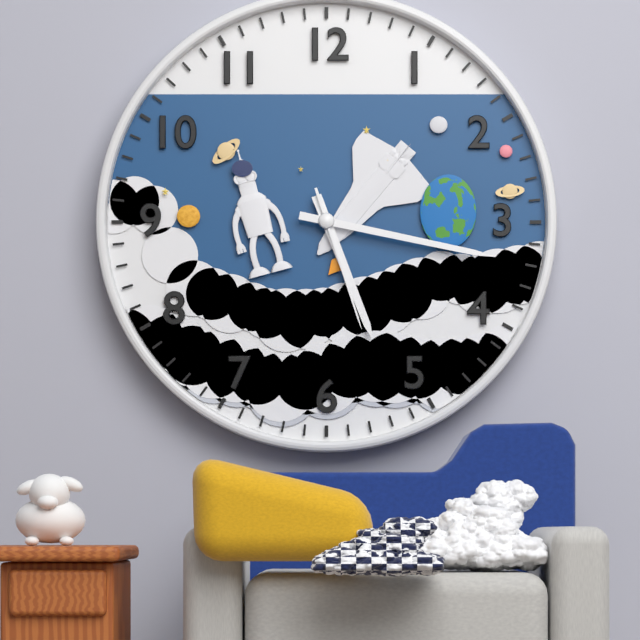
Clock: 5 h 17 min 27 s
